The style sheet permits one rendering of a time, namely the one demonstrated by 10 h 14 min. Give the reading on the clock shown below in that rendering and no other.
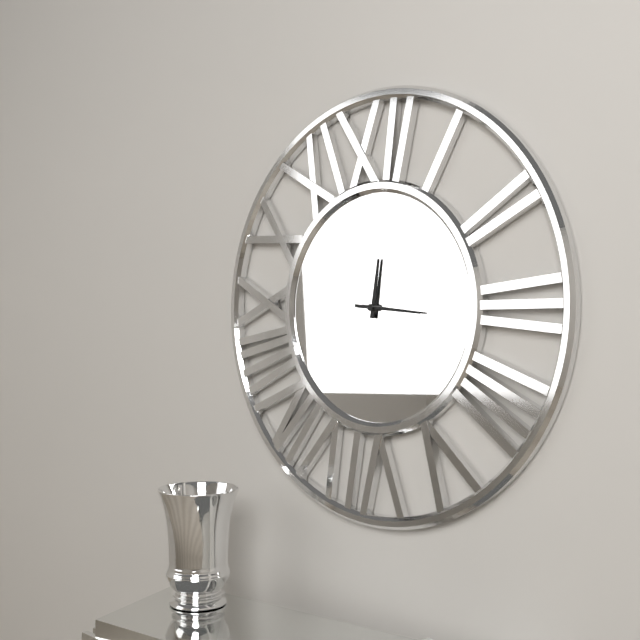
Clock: 12 h 16 min
